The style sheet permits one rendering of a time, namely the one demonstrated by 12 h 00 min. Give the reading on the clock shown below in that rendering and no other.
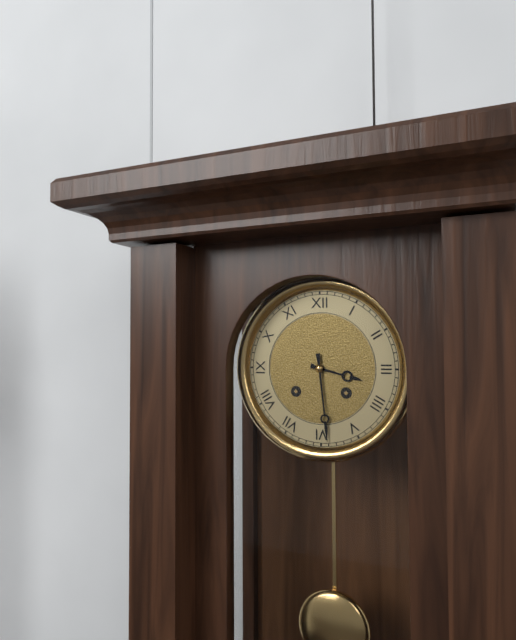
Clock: 3 h 29 min
